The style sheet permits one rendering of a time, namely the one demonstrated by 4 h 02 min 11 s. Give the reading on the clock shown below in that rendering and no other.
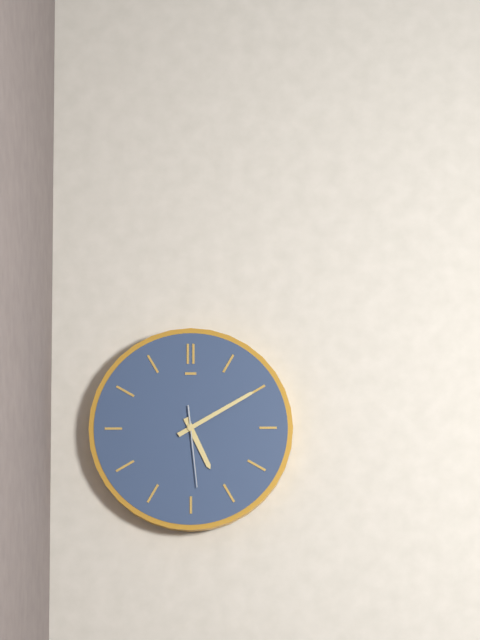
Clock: 5 h 10 min 29 s
